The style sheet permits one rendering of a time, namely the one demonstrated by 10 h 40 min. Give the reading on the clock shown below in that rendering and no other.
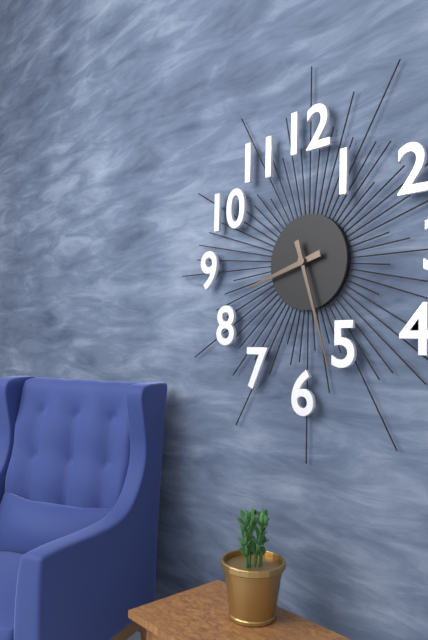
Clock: 8 h 27 min
